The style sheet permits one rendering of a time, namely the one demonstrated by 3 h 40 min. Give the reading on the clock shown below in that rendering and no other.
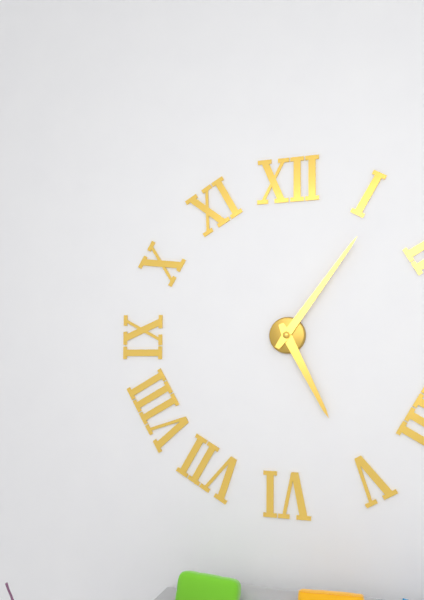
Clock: 5 h 06 min
